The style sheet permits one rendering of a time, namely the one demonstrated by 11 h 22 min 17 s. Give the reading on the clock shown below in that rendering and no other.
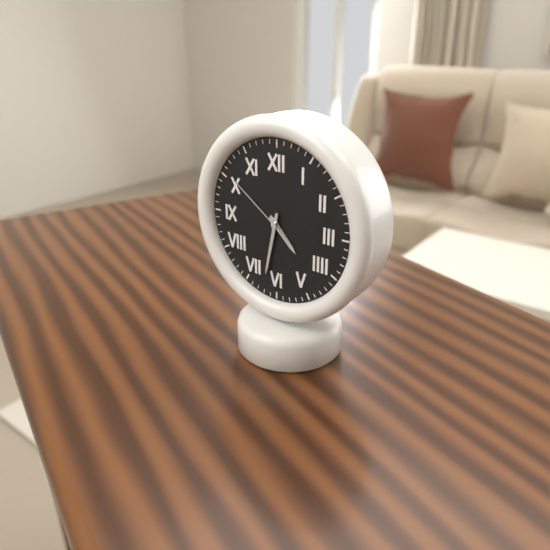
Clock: 4 h 32 min 51 s
